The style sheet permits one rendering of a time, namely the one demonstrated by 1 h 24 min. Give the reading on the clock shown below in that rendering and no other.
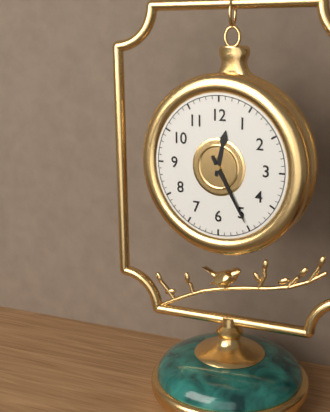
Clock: 12 h 25 min
